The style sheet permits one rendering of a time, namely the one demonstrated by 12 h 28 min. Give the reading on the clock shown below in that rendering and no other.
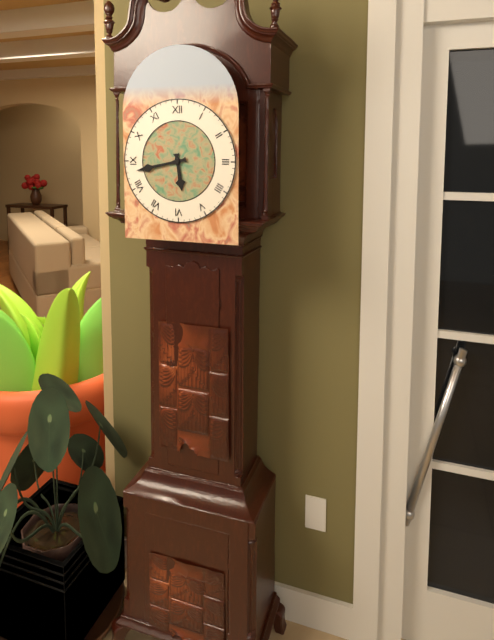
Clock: 5 h 43 min
